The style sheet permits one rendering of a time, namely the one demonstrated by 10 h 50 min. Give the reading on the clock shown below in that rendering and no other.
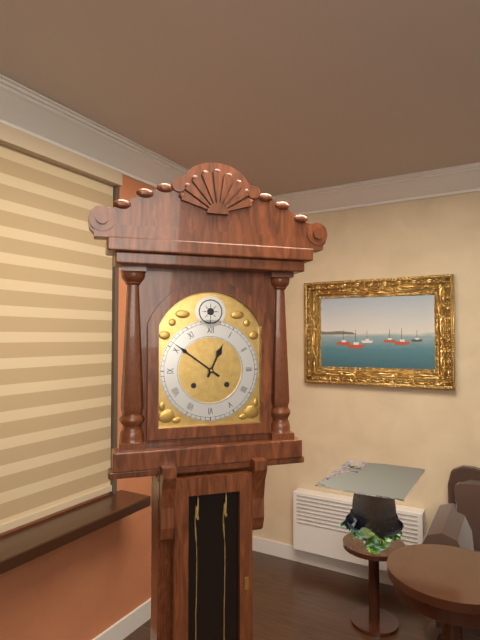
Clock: 12 h 51 min
